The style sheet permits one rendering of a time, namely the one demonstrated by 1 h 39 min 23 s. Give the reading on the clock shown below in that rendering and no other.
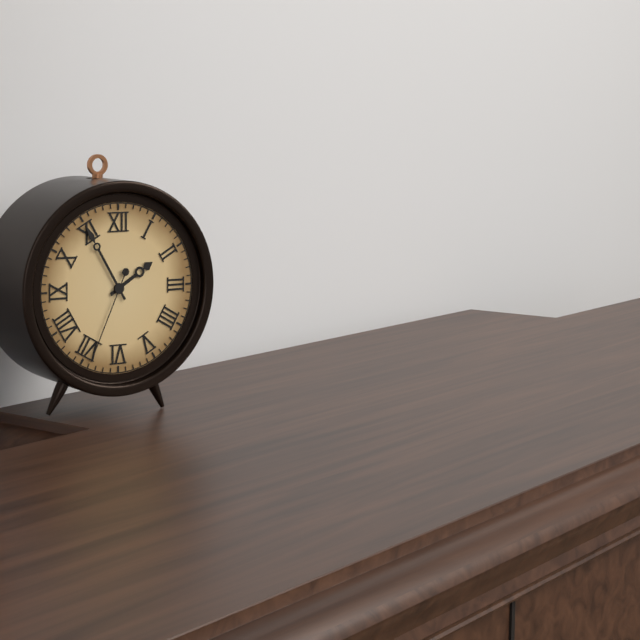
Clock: 1 h 55 min 34 s
